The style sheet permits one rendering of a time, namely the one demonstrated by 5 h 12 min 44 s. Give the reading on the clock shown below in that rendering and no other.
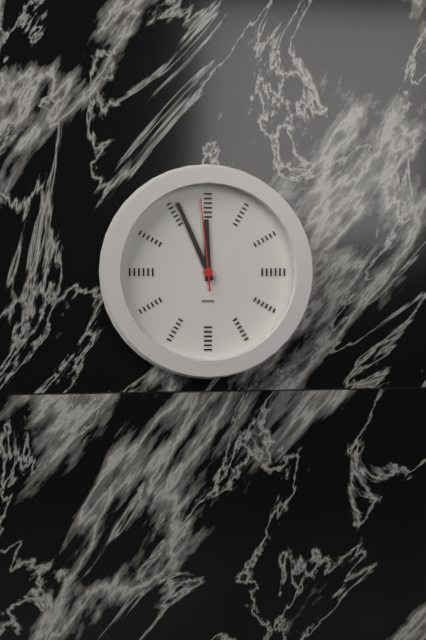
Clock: 11 h 56 min 59 s
